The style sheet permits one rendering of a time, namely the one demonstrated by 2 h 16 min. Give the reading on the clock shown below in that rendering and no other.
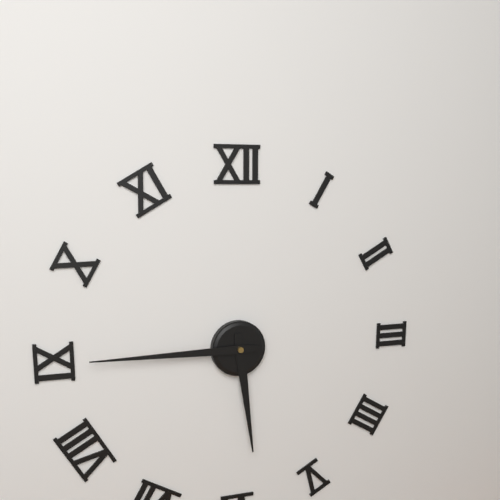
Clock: 5 h 45 min
